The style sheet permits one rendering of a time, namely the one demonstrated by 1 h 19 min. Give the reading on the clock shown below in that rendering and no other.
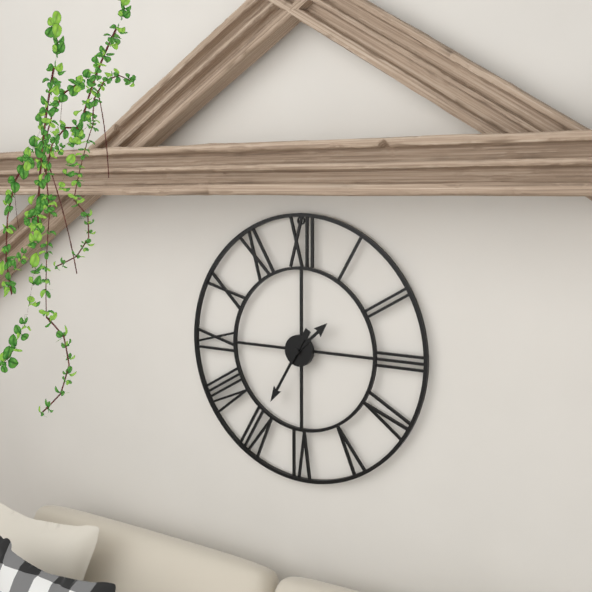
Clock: 1 h 35 min
